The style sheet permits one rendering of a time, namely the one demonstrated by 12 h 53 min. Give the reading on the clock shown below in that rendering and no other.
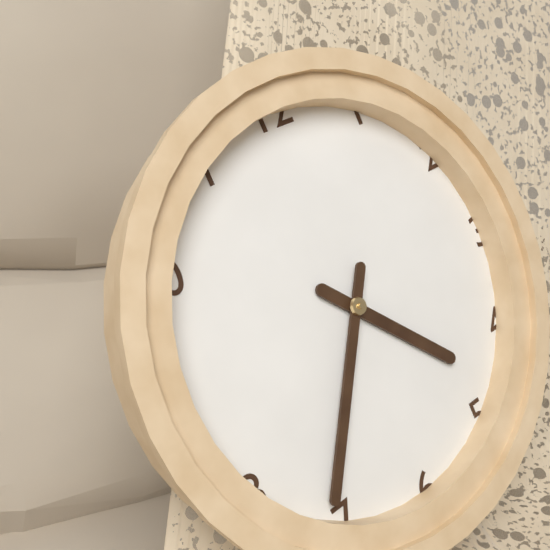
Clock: 4 h 36 min
